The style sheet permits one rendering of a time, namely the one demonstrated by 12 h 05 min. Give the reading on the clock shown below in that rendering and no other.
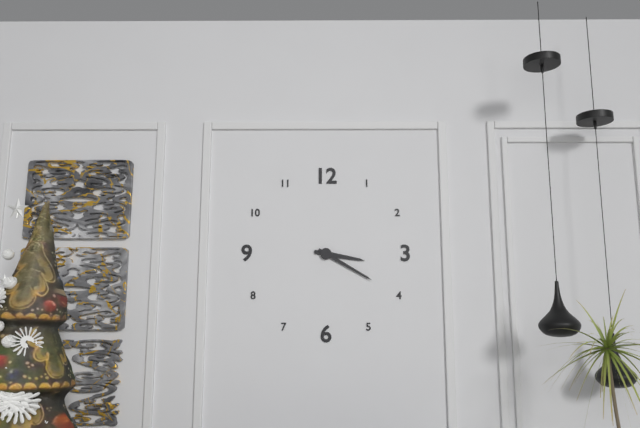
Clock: 3 h 20 min
